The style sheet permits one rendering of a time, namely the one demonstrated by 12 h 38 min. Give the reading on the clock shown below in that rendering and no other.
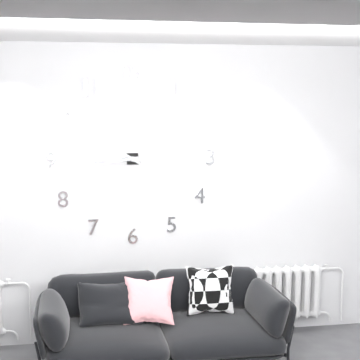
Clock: 8 h 50 min
